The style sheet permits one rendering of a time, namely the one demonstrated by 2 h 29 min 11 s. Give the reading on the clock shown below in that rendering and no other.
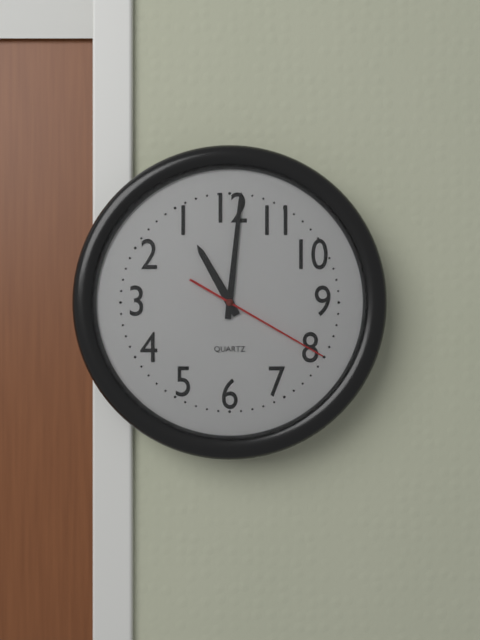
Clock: 11 h 01 min 20 s
